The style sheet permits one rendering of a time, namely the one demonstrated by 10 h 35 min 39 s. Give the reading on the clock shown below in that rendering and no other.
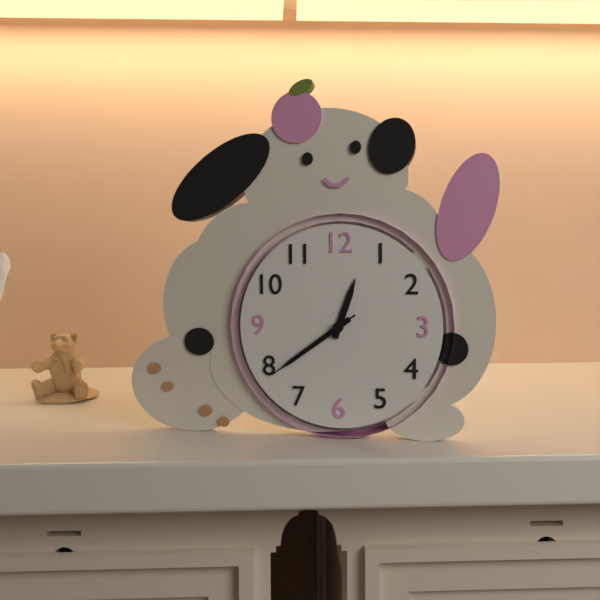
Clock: 12 h 39 min 39 s
